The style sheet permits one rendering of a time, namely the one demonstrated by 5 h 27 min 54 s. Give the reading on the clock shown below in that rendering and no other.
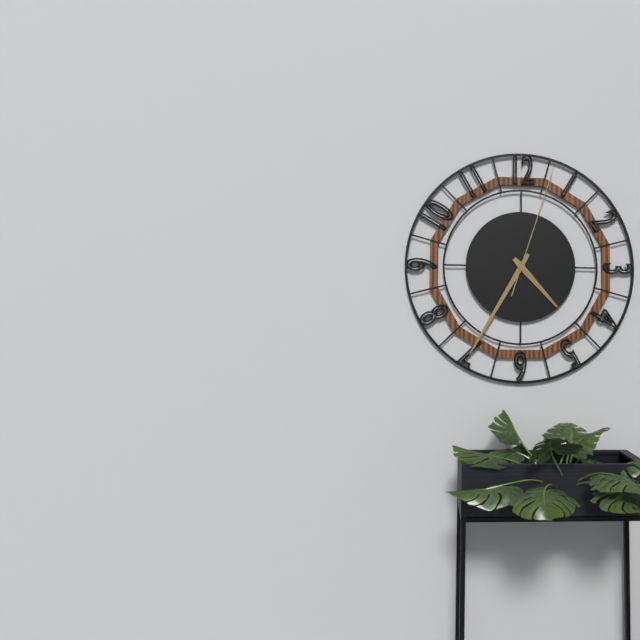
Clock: 4 h 35 min 03 s
